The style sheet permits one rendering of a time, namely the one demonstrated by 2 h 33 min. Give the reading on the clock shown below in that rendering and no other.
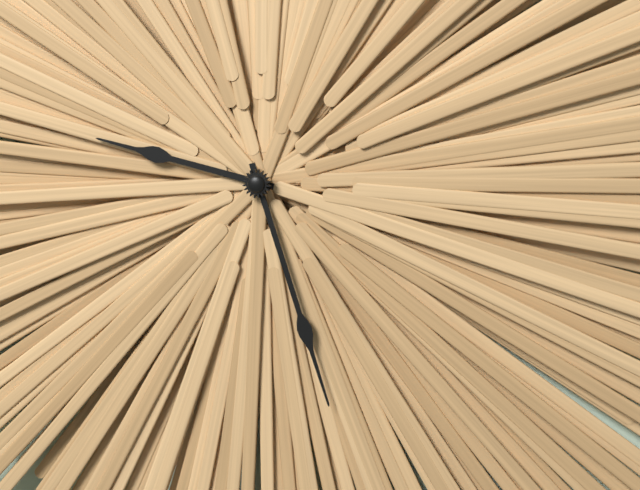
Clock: 9 h 27 min
